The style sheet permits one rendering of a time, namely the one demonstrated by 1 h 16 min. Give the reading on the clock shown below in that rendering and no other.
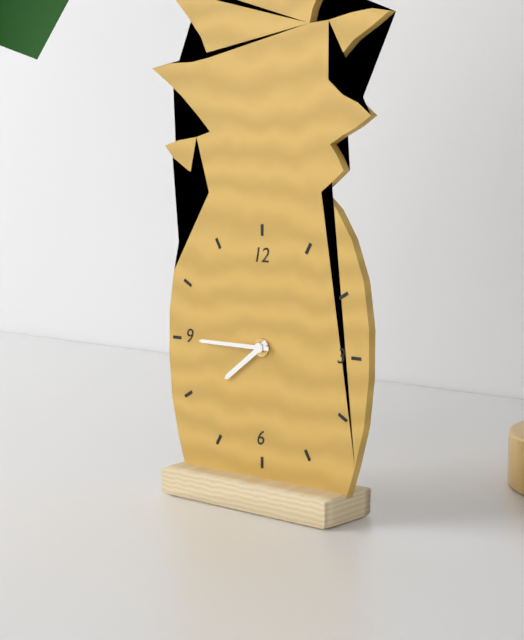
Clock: 7 h 45 min
